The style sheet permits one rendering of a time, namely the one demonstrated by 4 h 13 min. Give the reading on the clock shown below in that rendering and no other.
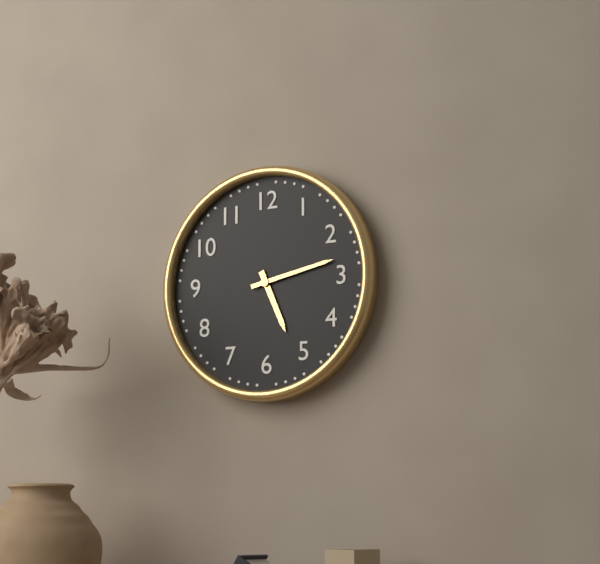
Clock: 5 h 13 min
